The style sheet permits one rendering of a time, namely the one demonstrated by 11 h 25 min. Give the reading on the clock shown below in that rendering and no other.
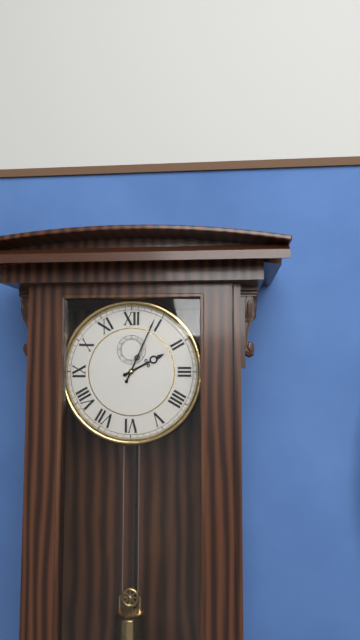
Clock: 2 h 04 min
